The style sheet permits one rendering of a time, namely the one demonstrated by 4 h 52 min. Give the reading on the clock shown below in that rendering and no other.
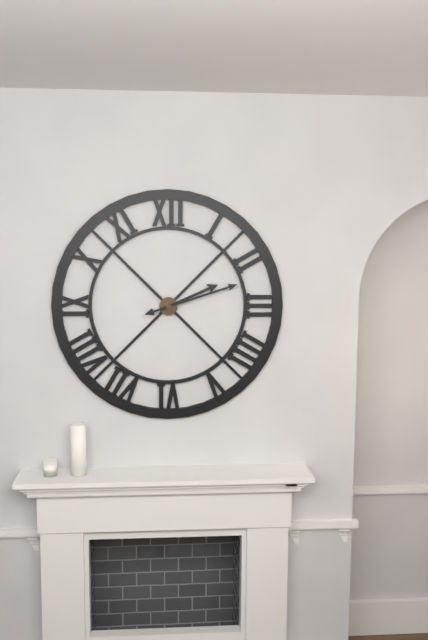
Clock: 2 h 12 min
